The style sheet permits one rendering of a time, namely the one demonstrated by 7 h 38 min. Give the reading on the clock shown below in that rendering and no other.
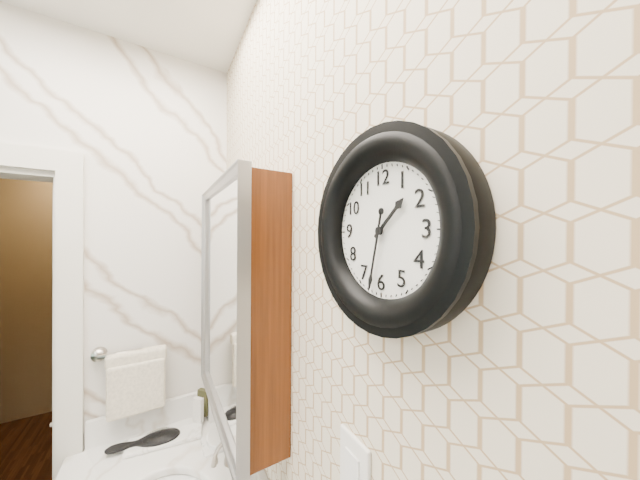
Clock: 1 h 32 min
